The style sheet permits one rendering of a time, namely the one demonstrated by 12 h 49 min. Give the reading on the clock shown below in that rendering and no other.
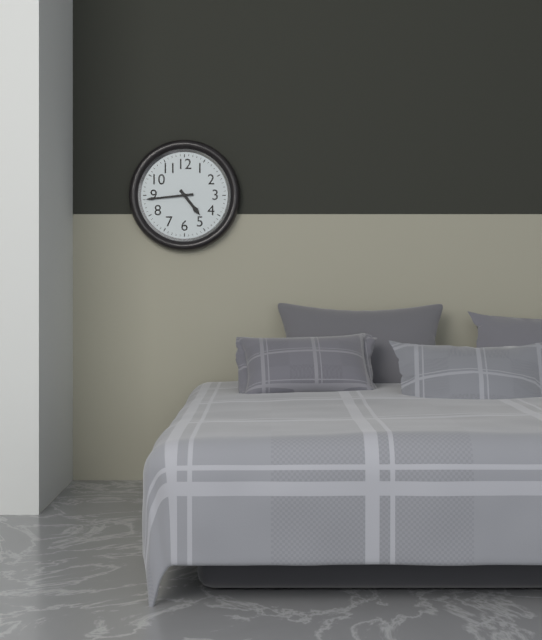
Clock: 4 h 44 min
